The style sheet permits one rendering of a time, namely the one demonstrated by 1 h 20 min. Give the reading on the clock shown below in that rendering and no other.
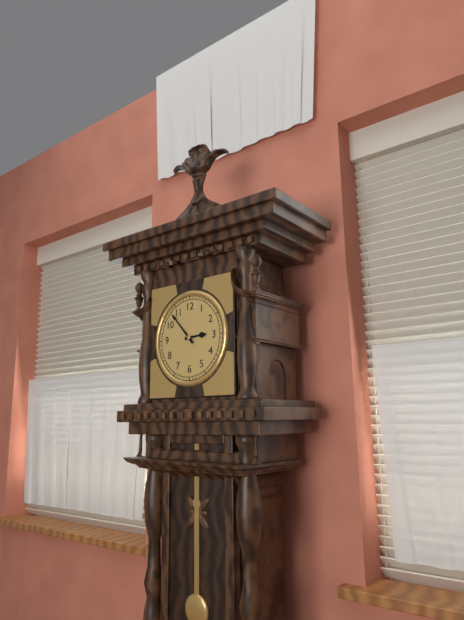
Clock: 2 h 53 min
